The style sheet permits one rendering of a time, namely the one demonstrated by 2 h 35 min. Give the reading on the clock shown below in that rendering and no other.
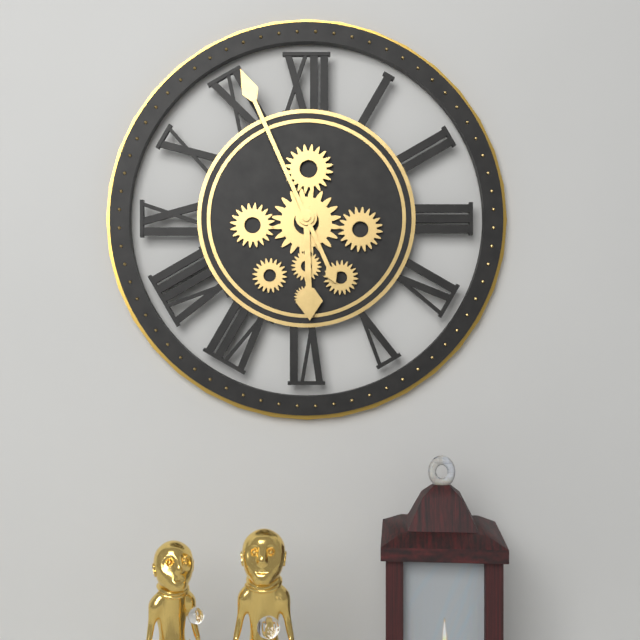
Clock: 5 h 56 min
